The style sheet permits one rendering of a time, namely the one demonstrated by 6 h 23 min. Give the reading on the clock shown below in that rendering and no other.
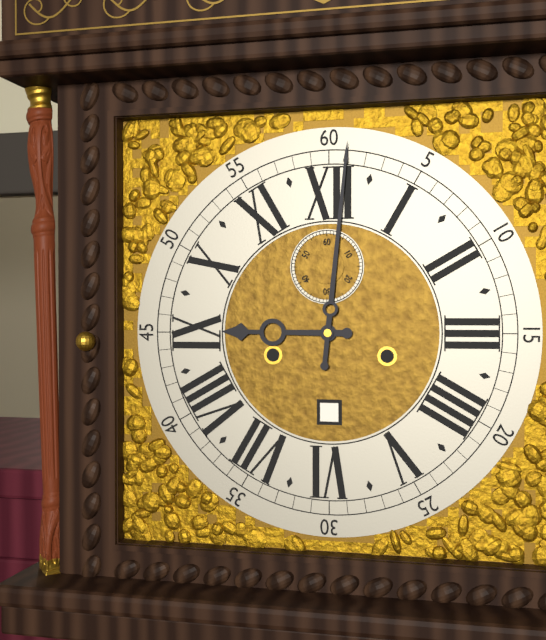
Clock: 9 h 01 min
